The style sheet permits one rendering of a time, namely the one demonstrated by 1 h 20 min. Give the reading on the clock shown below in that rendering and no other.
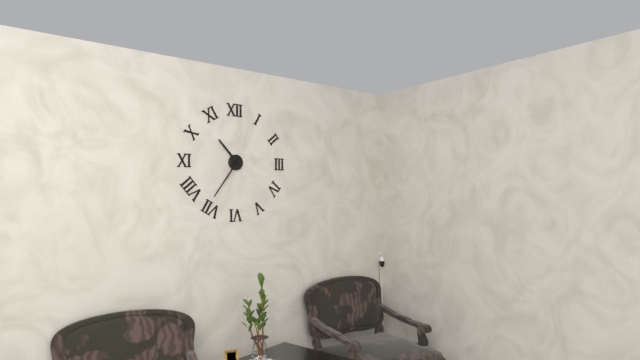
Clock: 10 h 36 min
